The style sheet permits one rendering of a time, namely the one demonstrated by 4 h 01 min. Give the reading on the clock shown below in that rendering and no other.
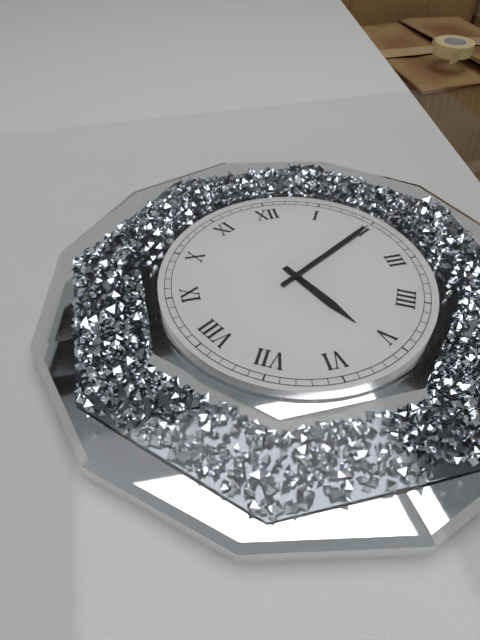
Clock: 5 h 10 min
